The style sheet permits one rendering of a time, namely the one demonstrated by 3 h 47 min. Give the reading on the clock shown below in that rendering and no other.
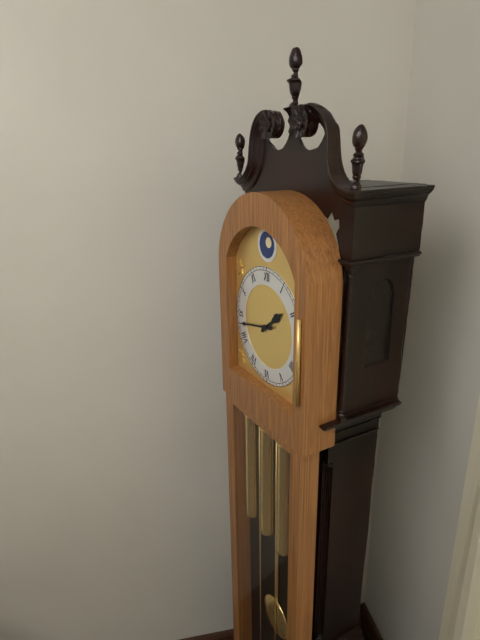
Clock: 1 h 43 min
